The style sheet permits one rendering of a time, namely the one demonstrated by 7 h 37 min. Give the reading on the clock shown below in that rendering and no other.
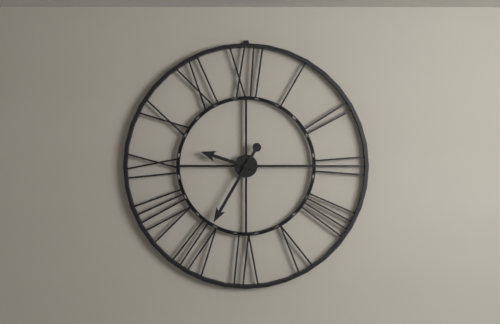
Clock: 9 h 35 min
